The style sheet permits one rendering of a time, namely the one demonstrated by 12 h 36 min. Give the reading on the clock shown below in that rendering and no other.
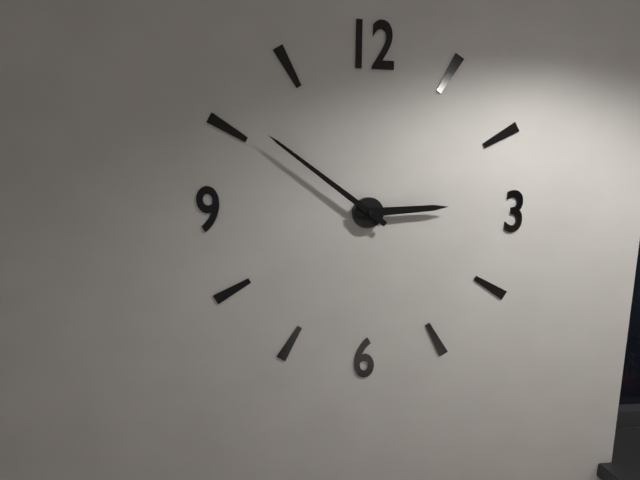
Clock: 2 h 51 min
